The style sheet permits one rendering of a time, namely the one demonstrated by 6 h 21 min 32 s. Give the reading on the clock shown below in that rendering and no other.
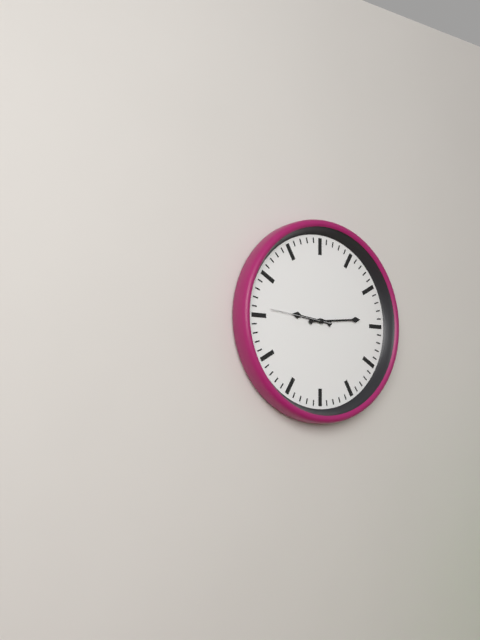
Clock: 9 h 14 min 46 s
